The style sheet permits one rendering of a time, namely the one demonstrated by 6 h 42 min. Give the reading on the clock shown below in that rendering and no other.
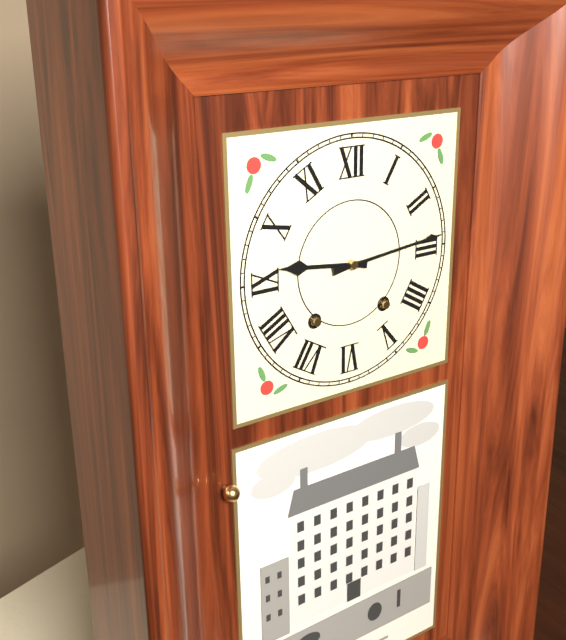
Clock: 9 h 14 min
